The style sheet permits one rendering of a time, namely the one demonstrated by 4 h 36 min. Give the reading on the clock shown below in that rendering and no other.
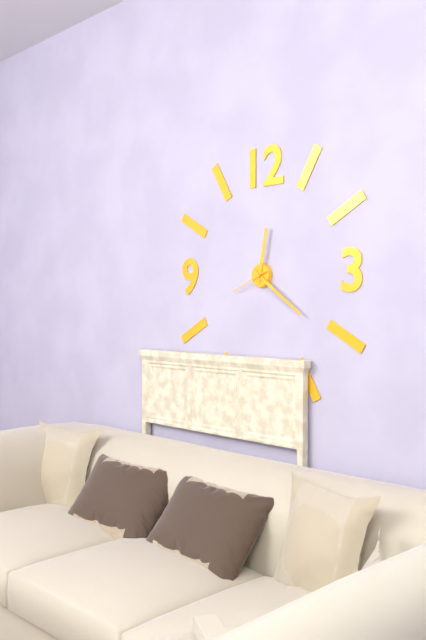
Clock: 12 h 21 min
